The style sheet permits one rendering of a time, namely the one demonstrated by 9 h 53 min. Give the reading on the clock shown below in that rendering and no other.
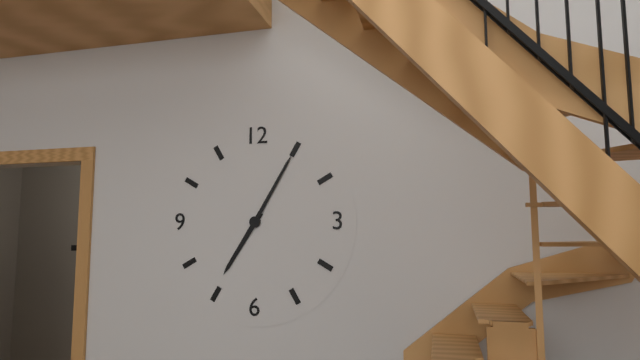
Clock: 7 h 05 min
